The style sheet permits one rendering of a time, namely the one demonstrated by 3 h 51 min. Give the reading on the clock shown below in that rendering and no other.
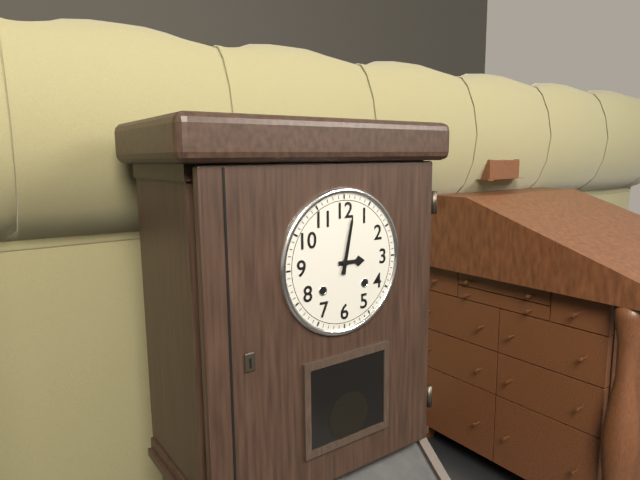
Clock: 3 h 02 min
